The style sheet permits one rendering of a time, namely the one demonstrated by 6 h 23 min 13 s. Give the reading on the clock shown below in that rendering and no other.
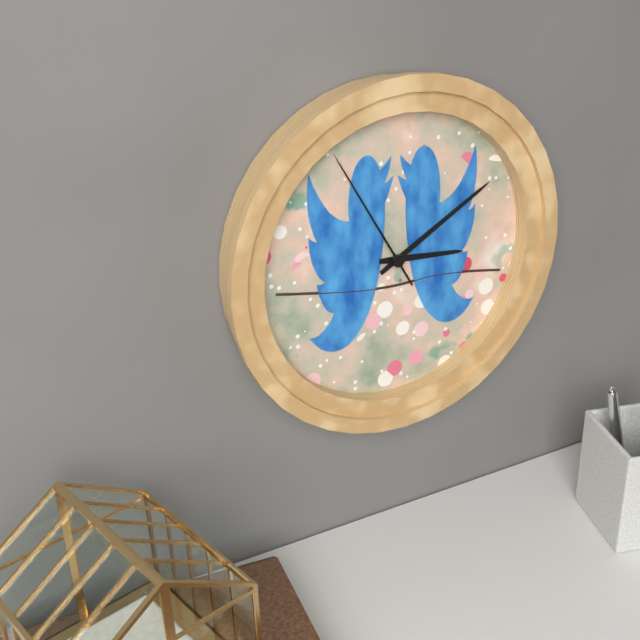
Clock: 3 h 10 min 55 s
